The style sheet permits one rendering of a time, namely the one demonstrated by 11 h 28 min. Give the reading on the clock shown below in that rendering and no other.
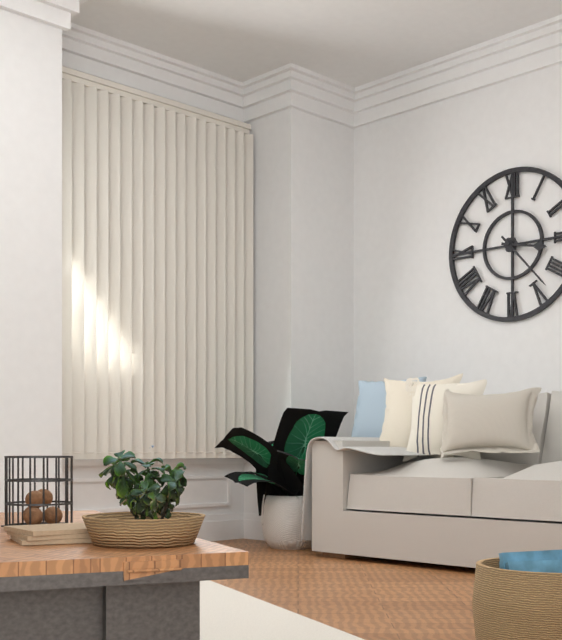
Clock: 3 h 23 min
